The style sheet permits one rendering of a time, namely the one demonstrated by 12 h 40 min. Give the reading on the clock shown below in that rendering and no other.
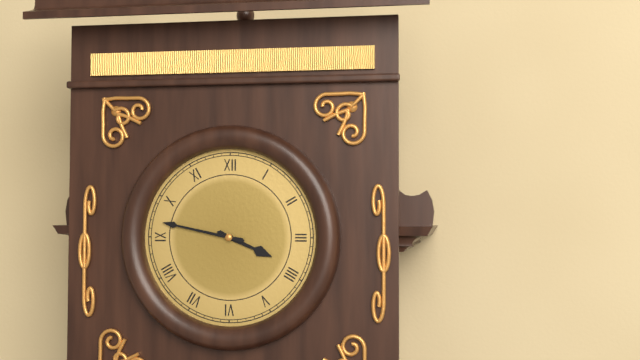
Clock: 3 h 47 min
